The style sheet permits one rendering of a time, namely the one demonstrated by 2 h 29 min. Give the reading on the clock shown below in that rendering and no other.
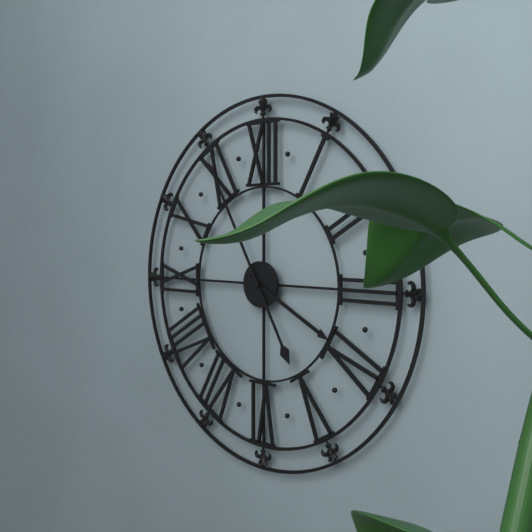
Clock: 3 h 55 min
